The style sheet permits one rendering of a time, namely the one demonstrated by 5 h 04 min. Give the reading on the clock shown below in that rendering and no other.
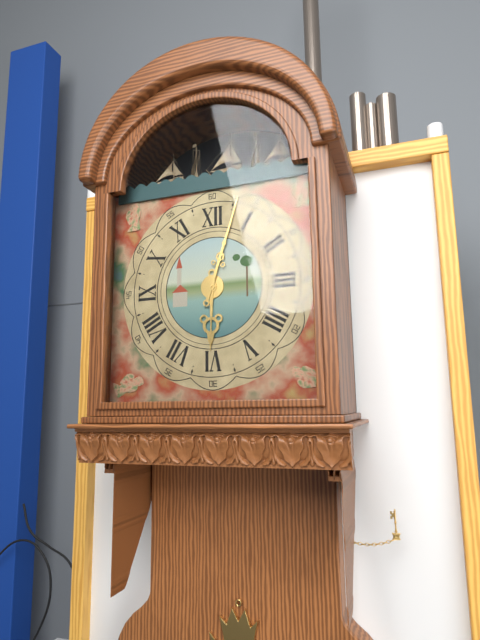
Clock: 6 h 03 min
